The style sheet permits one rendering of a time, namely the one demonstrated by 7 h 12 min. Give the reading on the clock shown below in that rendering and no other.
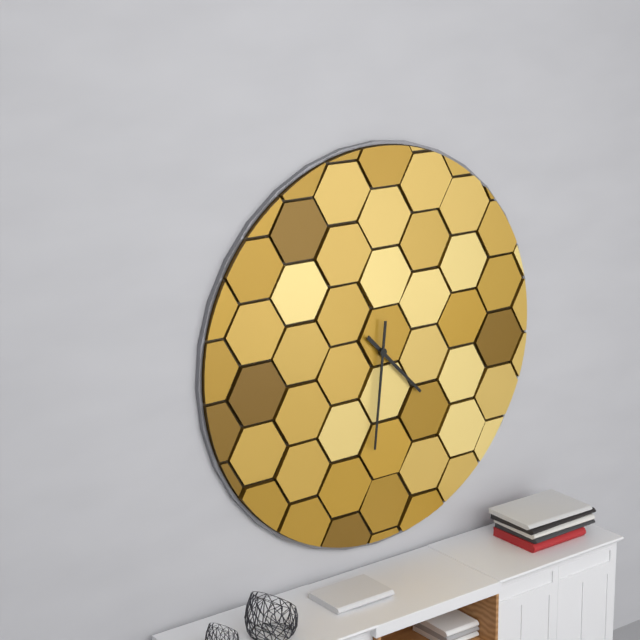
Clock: 4 h 31 min
